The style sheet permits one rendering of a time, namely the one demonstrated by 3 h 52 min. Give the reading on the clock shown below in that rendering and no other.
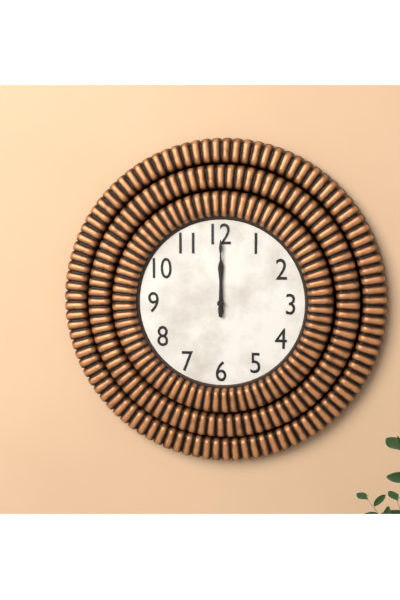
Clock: 12 h 00 min
